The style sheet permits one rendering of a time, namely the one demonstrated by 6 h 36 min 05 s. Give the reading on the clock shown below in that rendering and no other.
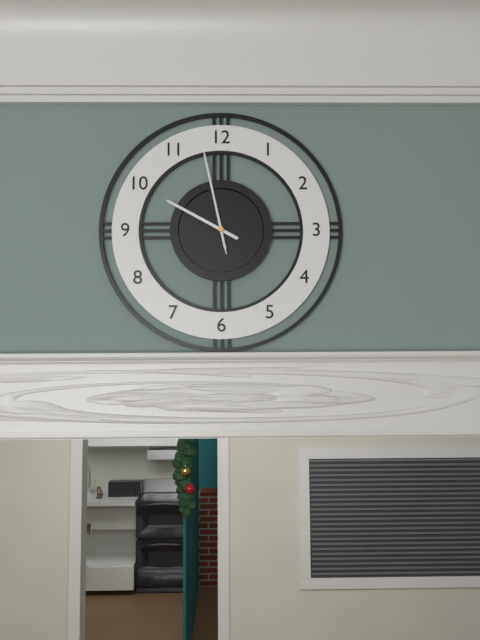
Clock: 9 h 58 min 58 s
